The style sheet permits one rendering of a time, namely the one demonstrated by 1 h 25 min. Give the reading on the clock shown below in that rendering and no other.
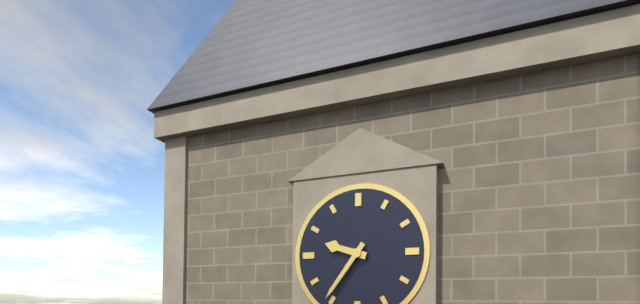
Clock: 9 h 36 min
